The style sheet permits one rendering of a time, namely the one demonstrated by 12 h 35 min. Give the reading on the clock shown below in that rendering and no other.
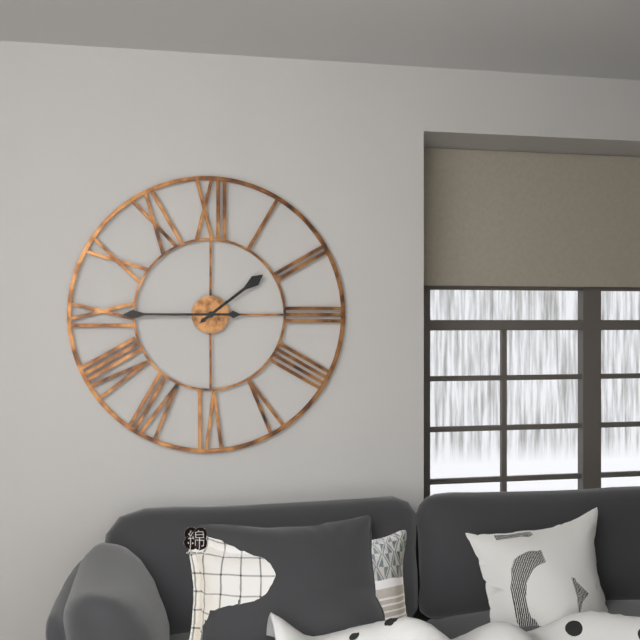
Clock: 1 h 45 min
